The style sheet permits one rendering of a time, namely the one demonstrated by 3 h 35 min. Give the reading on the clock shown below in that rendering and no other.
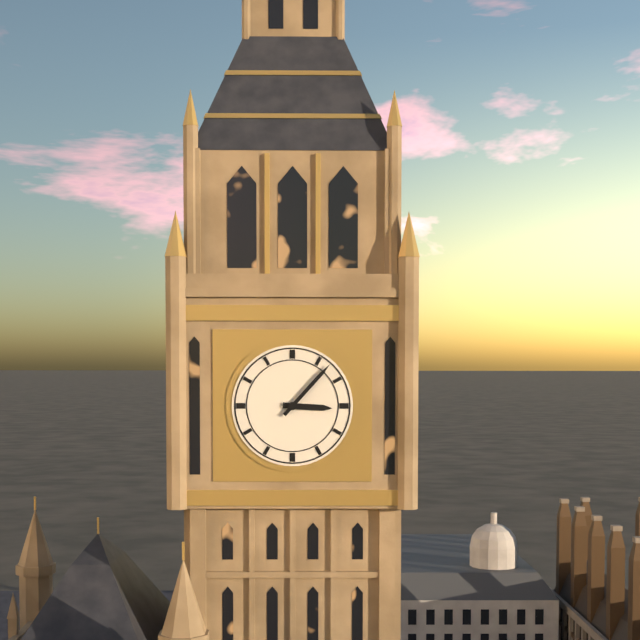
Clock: 3 h 07 min
